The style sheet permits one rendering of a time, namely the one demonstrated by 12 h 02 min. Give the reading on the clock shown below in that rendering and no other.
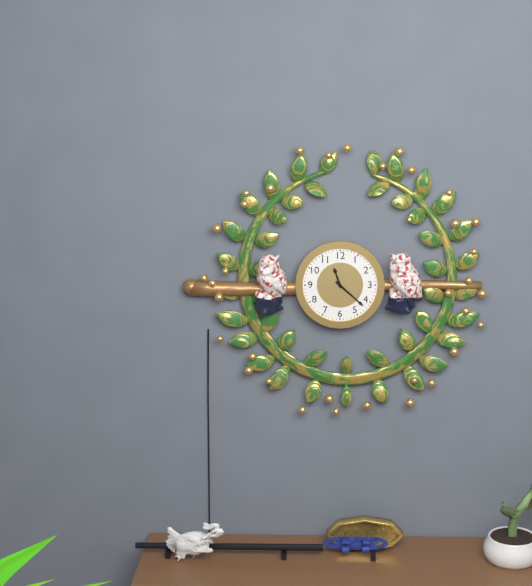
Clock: 11 h 22 min
